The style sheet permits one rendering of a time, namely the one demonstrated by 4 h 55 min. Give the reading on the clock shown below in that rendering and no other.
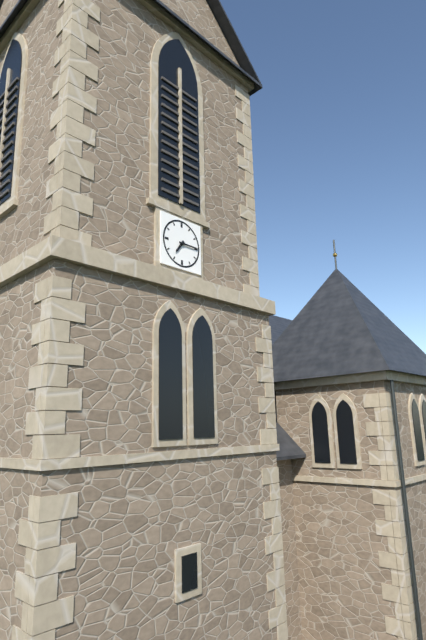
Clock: 7 h 15 min
